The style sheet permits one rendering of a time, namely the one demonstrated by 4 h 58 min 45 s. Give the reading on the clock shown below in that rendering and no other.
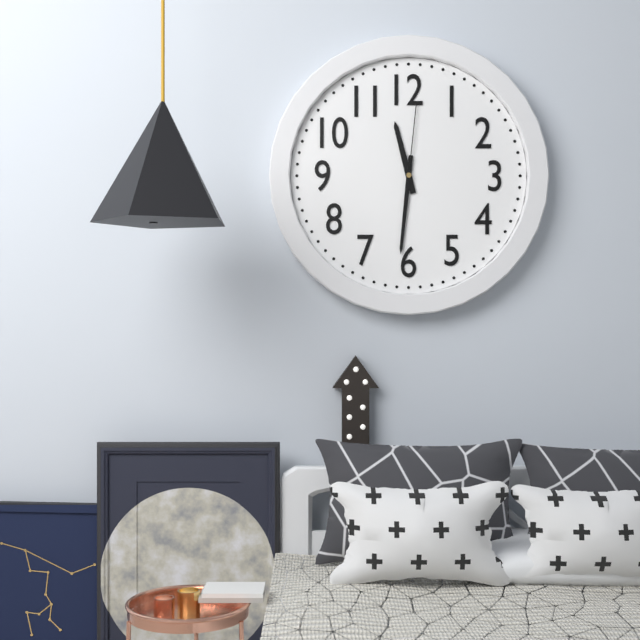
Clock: 11 h 31 min 01 s
